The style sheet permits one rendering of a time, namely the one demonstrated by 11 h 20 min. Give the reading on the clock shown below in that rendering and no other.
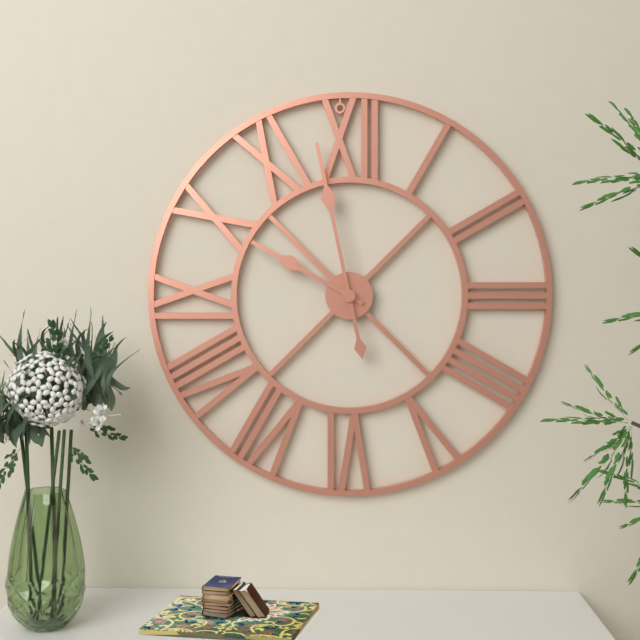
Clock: 9 h 58 min
